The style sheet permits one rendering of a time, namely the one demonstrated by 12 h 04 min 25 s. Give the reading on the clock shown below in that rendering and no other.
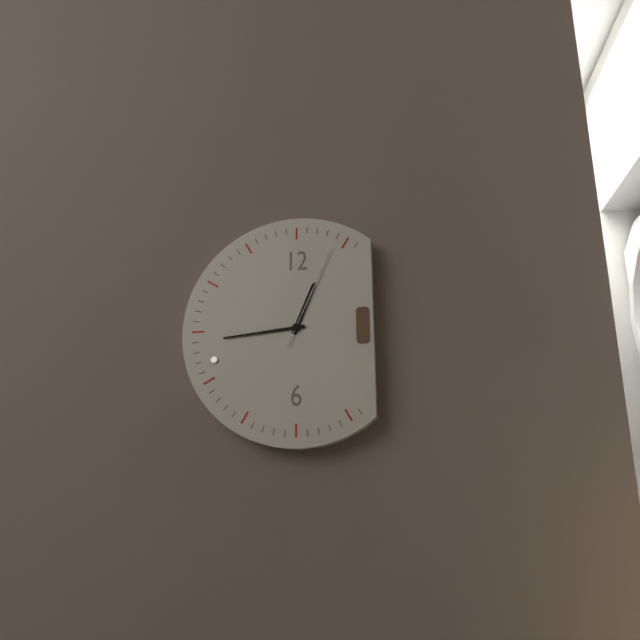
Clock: 12 h 44 min 04 s
